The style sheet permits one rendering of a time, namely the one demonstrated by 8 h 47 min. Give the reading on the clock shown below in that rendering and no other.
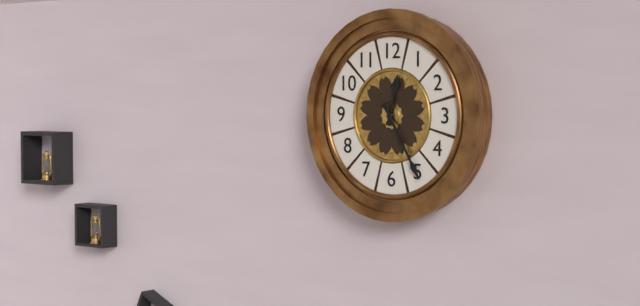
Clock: 12 h 25 min
